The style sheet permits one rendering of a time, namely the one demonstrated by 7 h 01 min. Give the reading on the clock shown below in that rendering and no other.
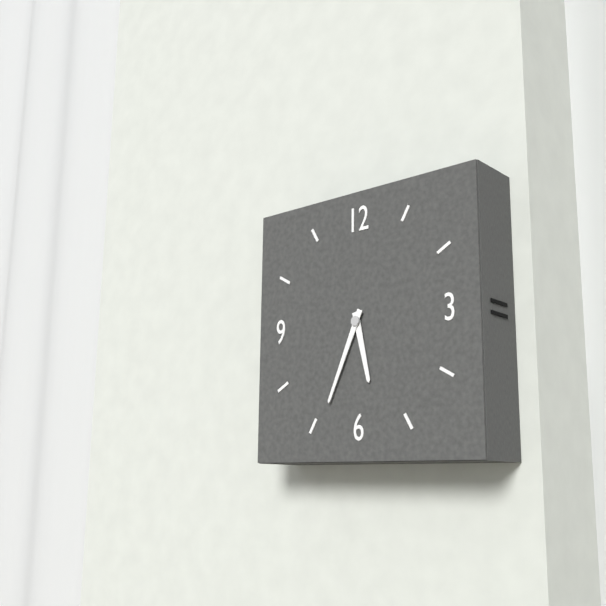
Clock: 5 h 34 min
